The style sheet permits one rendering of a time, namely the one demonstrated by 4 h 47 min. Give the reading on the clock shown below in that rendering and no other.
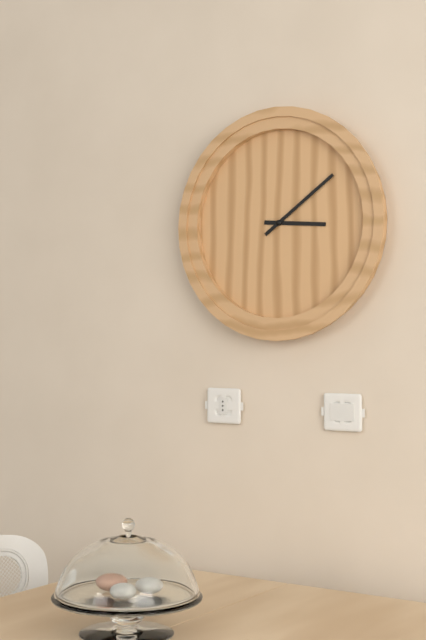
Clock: 3 h 09 min
